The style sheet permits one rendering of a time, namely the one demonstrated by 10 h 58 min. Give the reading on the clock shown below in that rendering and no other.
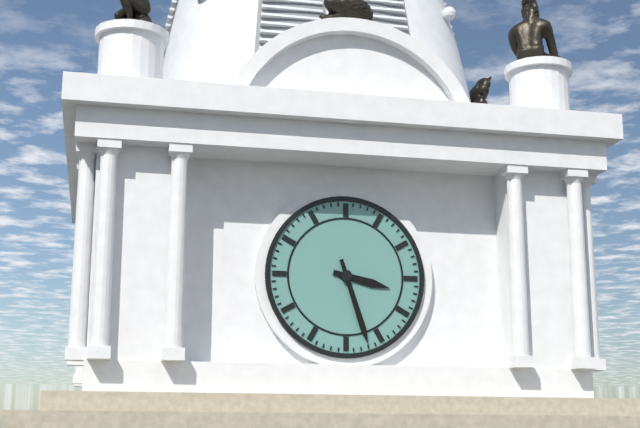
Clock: 3 h 27 min
